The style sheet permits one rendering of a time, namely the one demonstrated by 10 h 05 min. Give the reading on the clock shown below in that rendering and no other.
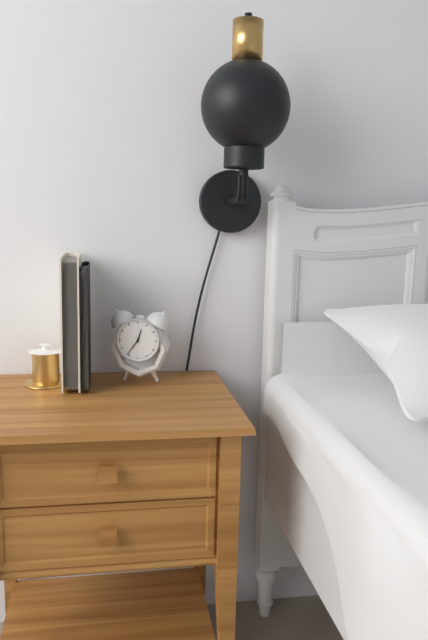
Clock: 12 h 36 min
